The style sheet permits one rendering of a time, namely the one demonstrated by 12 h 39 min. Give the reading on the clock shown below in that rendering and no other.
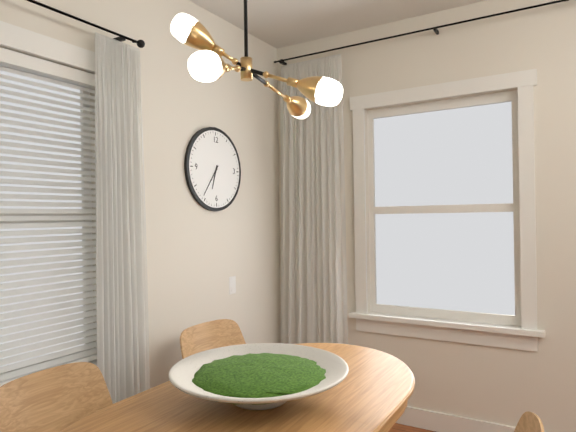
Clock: 6 h 36 min
